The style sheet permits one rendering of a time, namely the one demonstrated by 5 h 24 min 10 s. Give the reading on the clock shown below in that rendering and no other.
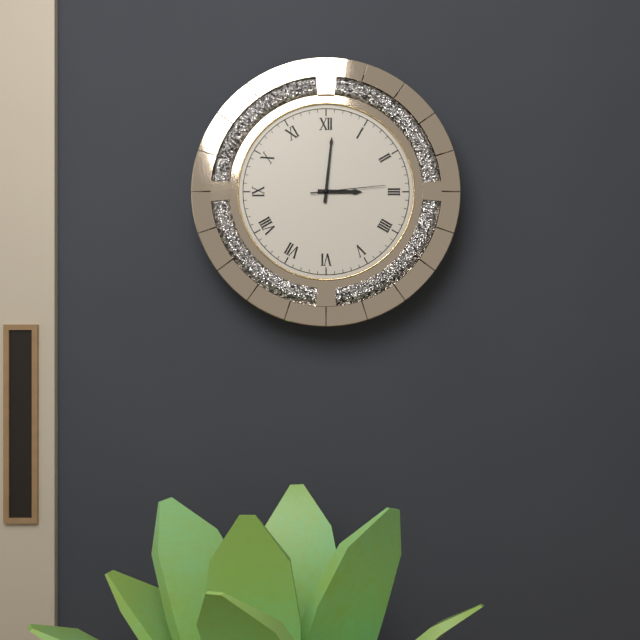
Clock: 3 h 01 min 14 s
